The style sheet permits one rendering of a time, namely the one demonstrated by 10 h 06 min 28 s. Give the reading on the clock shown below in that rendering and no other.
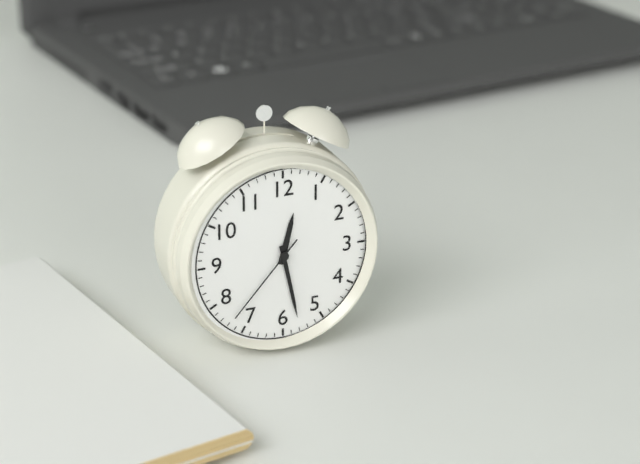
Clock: 12 h 28 min 37 s
